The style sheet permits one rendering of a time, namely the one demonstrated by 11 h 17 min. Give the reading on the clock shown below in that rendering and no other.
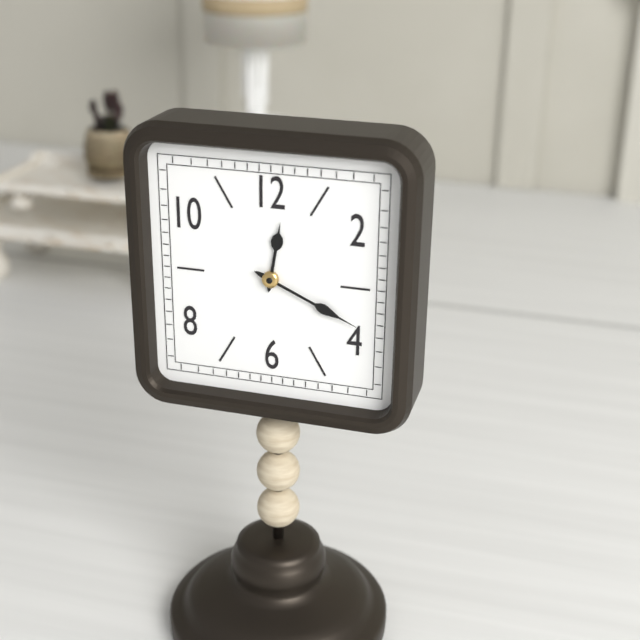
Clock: 12 h 19 min
